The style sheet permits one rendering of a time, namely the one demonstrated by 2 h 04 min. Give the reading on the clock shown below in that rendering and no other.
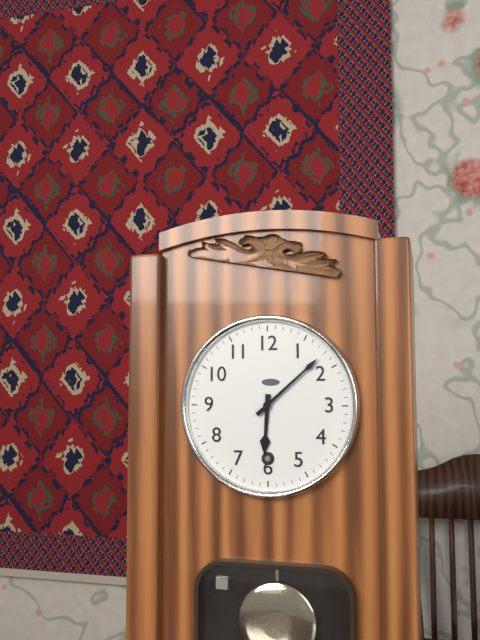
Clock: 6 h 08 min
